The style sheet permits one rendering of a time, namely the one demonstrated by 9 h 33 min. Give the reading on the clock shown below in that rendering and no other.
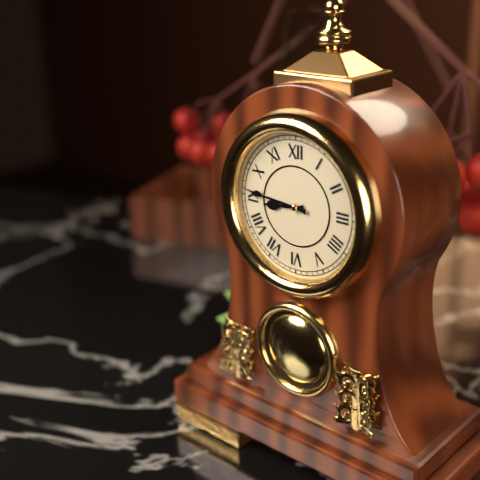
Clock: 8 h 46 min
